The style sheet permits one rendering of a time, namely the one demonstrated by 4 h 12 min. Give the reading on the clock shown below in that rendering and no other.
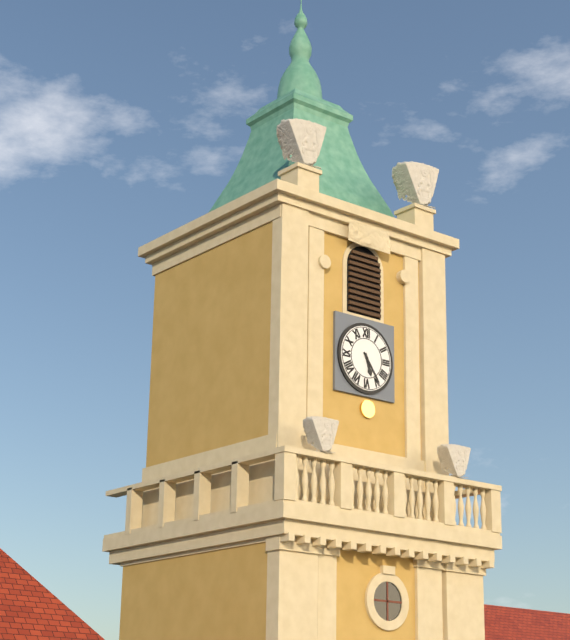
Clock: 5 h 24 min
